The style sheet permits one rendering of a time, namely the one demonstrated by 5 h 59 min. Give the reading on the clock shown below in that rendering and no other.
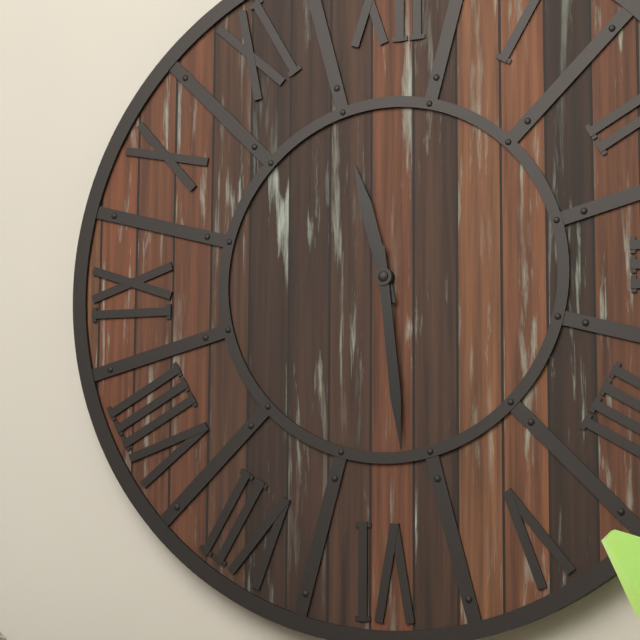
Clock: 11 h 29 min
